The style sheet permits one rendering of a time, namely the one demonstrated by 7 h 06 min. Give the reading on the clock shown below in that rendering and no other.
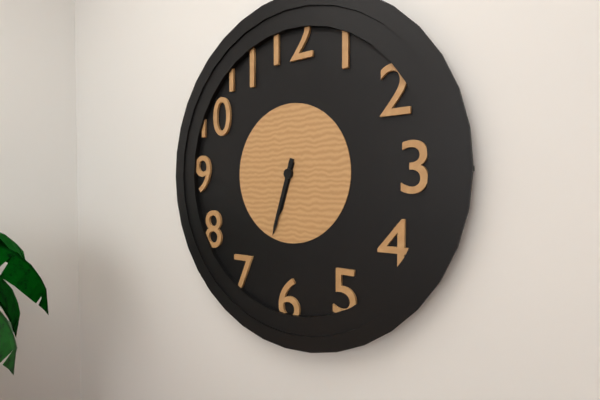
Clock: 6 h 33 min
